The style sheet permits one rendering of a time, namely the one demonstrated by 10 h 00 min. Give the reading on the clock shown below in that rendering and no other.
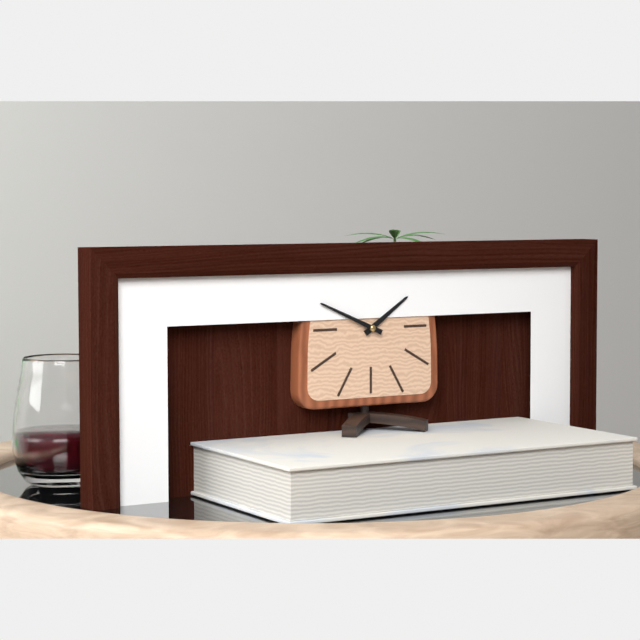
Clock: 1 h 49 min
